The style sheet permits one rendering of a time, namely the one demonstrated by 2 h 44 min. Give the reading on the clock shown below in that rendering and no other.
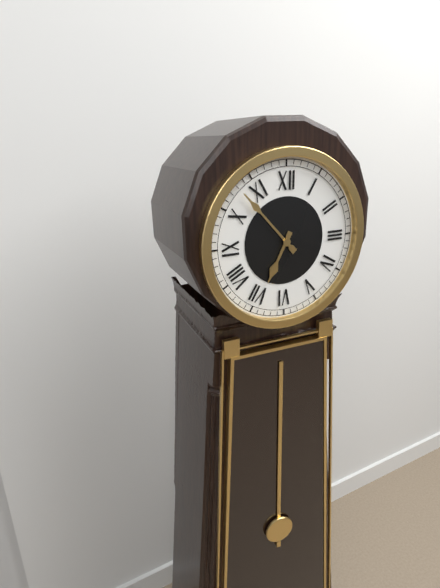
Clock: 6 h 53 min
